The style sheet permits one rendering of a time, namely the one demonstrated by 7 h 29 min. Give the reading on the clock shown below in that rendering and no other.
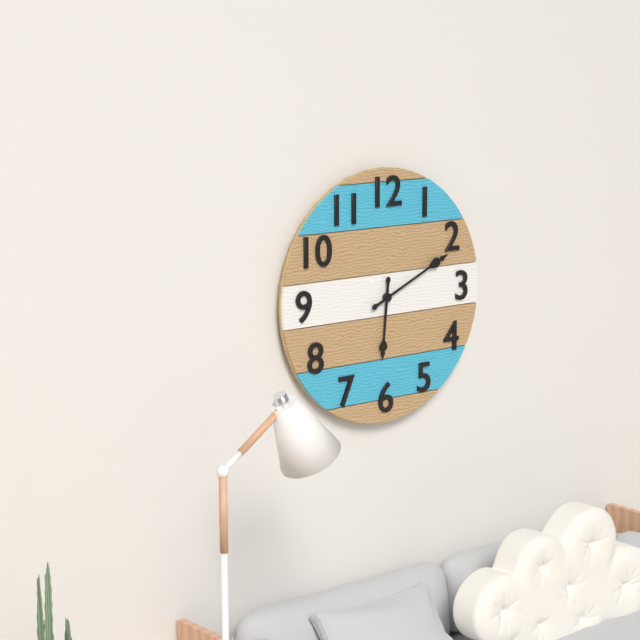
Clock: 6 h 11 min
